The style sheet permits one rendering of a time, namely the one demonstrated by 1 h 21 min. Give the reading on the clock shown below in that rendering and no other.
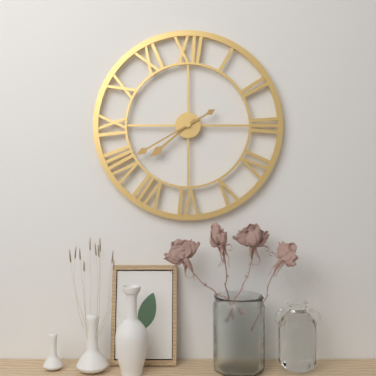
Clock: 7 h 40 min
